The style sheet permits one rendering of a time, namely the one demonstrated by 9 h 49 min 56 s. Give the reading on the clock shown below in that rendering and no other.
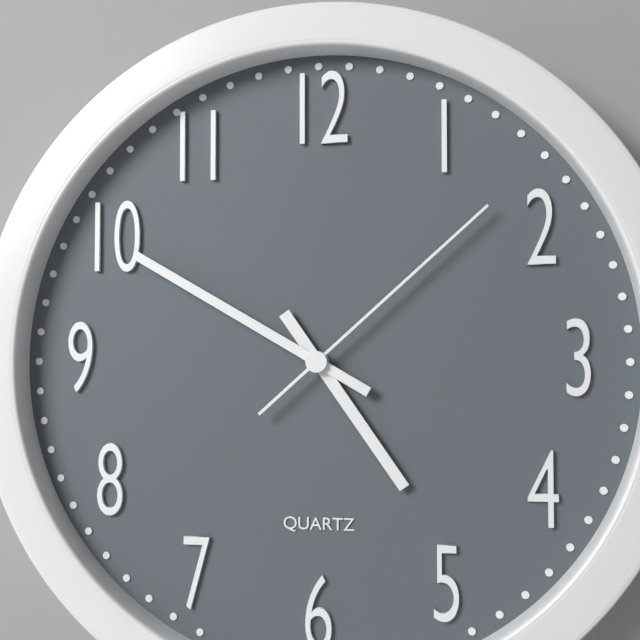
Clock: 4 h 50 min 08 s
